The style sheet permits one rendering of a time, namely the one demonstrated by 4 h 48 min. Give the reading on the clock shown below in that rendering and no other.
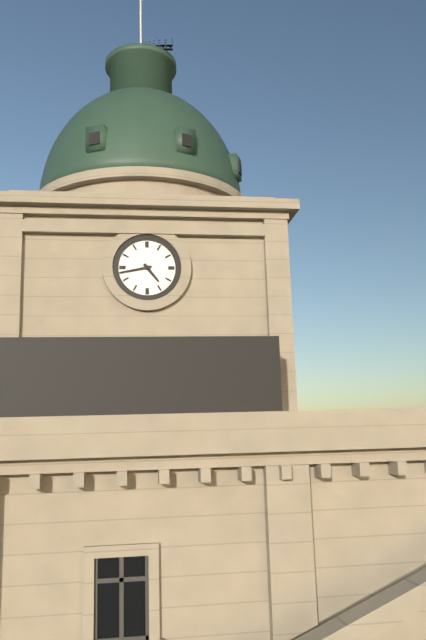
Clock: 4 h 43 min
